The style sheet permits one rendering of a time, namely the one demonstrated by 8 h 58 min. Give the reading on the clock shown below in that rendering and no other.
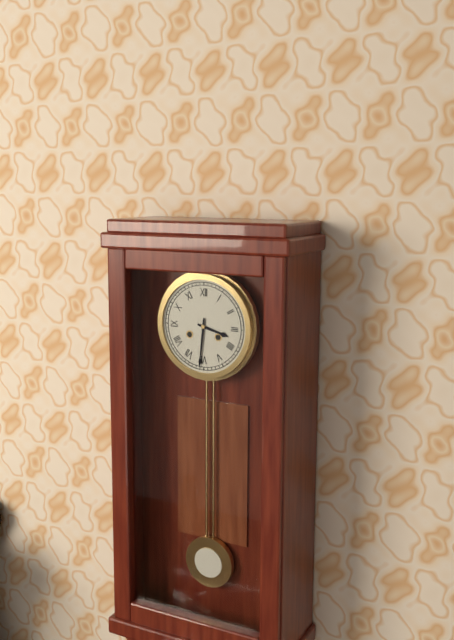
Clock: 3 h 31 min
